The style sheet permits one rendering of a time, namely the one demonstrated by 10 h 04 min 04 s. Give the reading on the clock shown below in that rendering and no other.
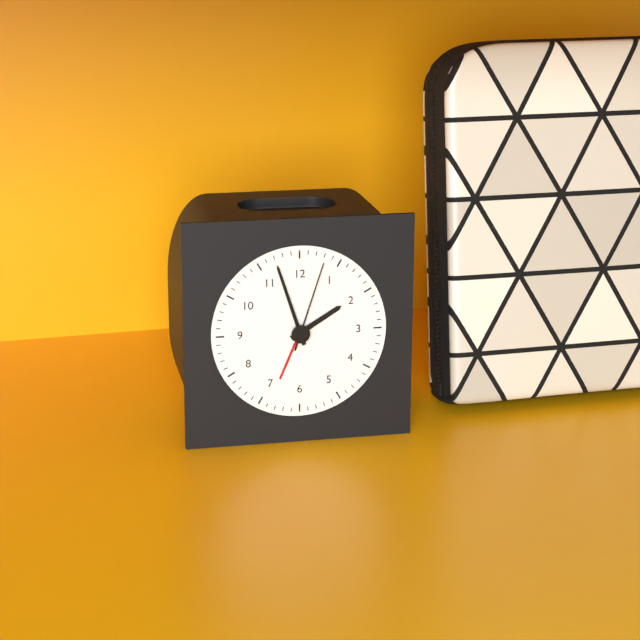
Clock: 1 h 57 min 03 s
